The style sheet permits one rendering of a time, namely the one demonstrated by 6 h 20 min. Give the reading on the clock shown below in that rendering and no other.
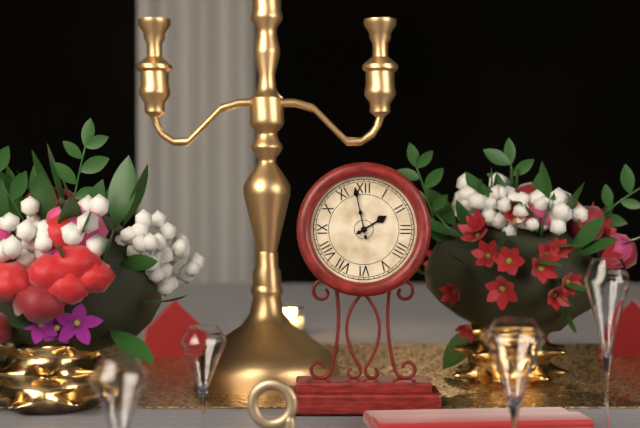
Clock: 1 h 58 min
